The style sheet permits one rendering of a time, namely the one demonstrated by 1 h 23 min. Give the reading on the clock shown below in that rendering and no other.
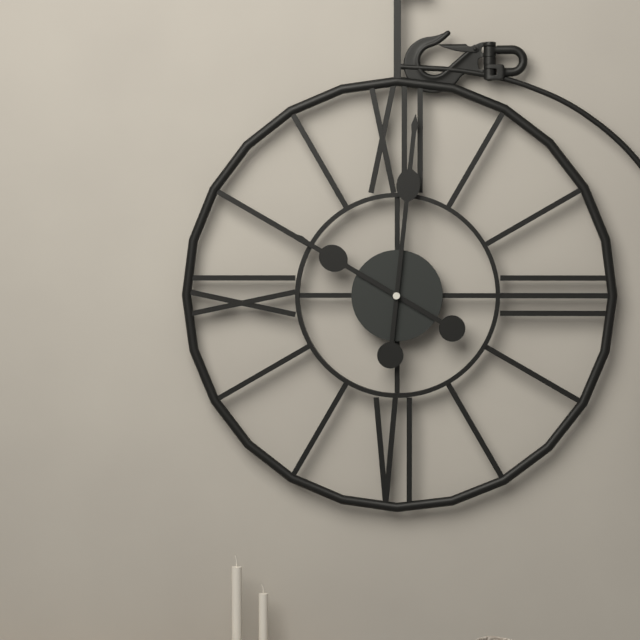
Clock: 10 h 01 min
